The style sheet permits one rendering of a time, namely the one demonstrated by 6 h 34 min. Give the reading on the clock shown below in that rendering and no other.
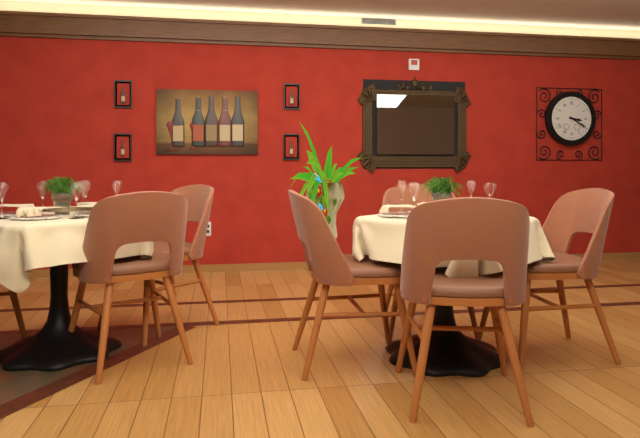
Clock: 3 h 20 min
